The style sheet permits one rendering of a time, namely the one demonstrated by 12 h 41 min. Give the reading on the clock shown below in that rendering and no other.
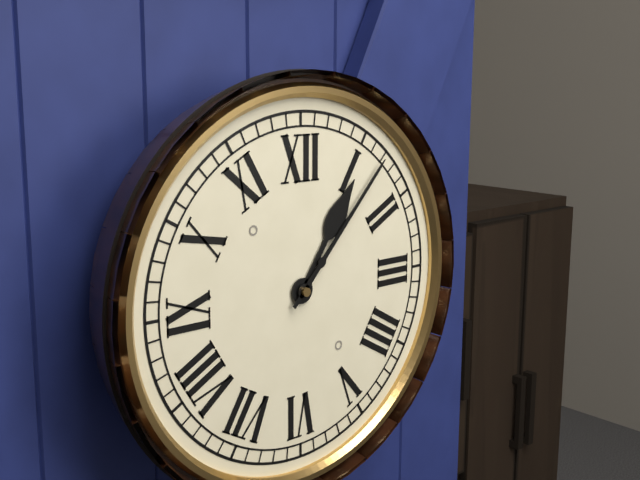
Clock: 1 h 07 min
